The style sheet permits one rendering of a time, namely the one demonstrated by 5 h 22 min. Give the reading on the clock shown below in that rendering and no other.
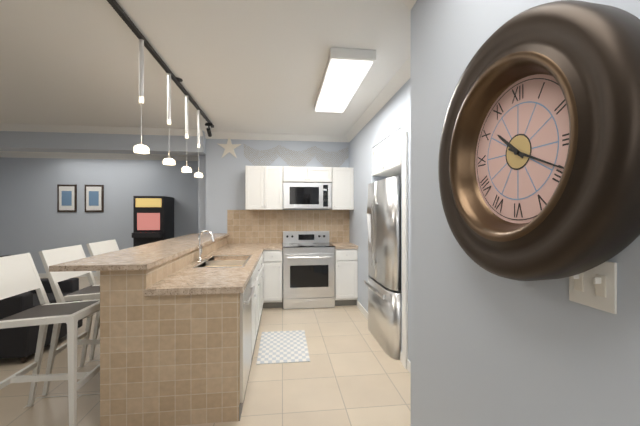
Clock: 10 h 19 min
